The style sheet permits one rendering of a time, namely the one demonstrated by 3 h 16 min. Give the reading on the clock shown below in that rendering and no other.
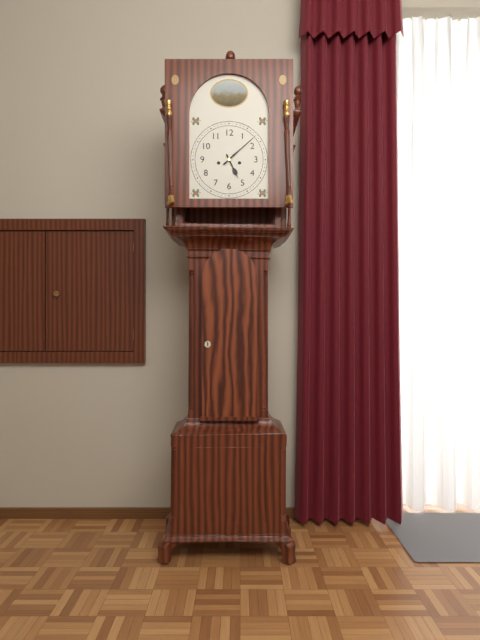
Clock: 5 h 08 min
